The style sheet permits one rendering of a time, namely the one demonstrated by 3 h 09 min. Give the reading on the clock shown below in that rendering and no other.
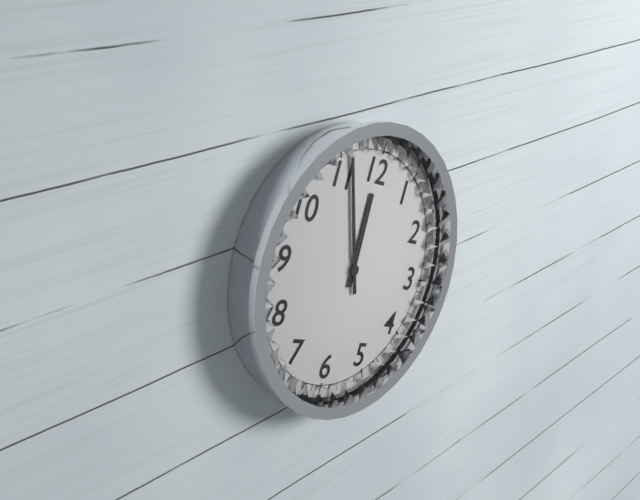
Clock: 11 h 56 min
